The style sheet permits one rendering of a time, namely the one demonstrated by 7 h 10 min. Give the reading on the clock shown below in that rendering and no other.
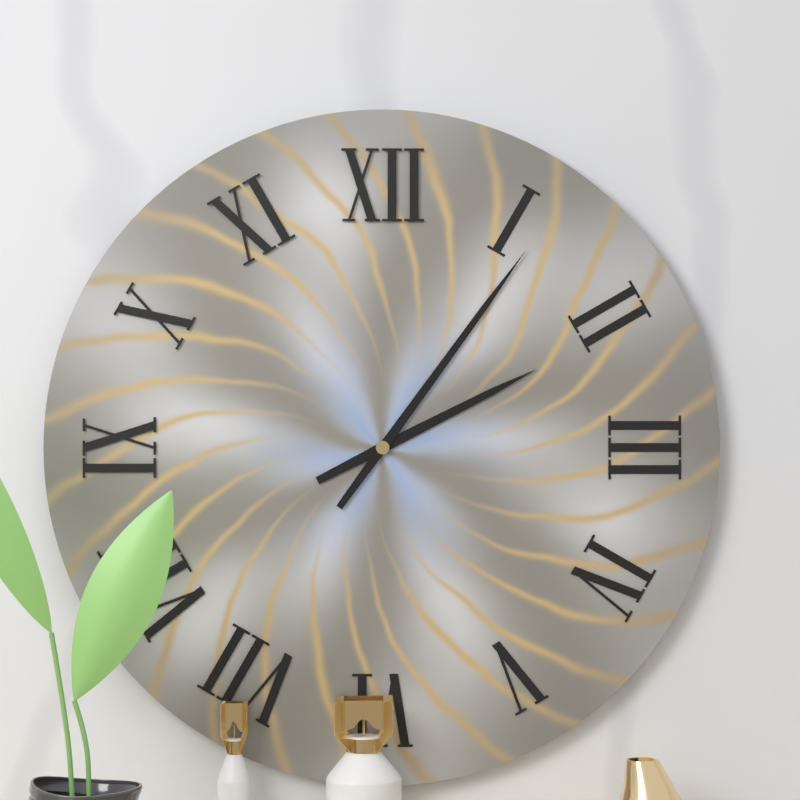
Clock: 2 h 06 min
